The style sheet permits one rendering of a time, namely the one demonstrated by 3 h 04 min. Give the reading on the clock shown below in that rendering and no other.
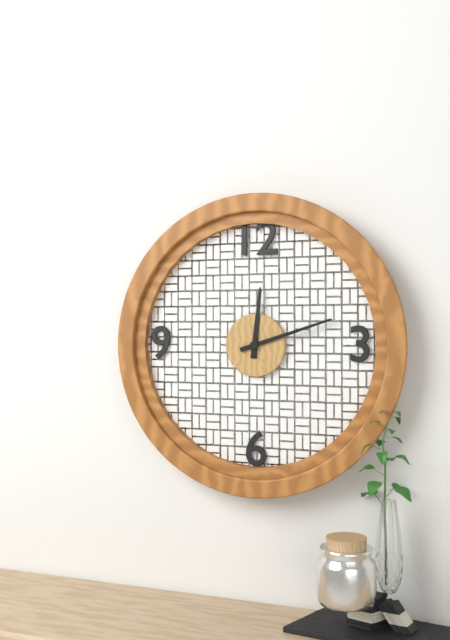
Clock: 12 h 12 min
